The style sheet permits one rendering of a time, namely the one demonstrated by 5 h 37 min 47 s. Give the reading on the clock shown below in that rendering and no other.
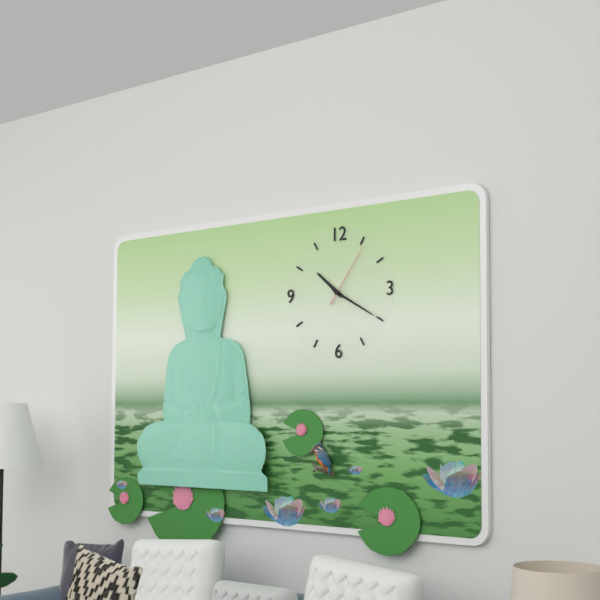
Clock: 10 h 20 min 06 s
